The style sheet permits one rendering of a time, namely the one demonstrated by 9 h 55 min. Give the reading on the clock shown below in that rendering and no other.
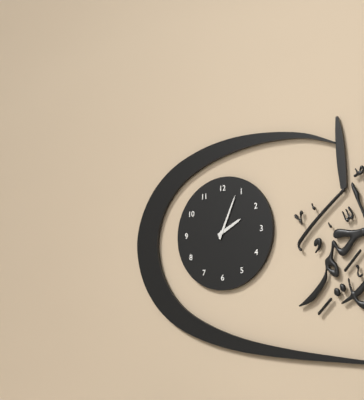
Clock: 2 h 04 min
